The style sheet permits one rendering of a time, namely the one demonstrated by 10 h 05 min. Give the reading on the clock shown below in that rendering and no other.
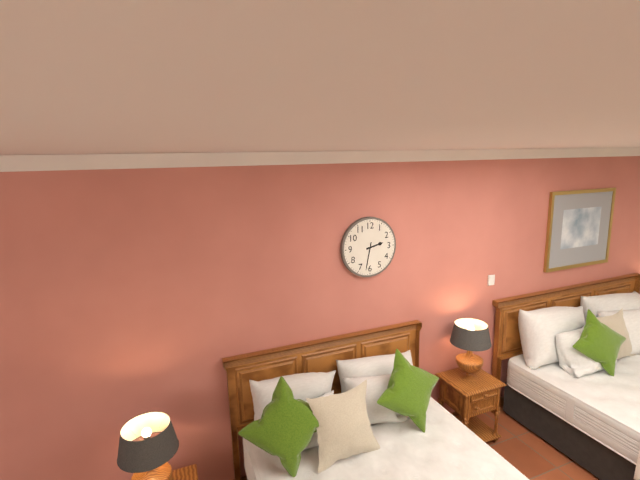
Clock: 2 h 32 min
